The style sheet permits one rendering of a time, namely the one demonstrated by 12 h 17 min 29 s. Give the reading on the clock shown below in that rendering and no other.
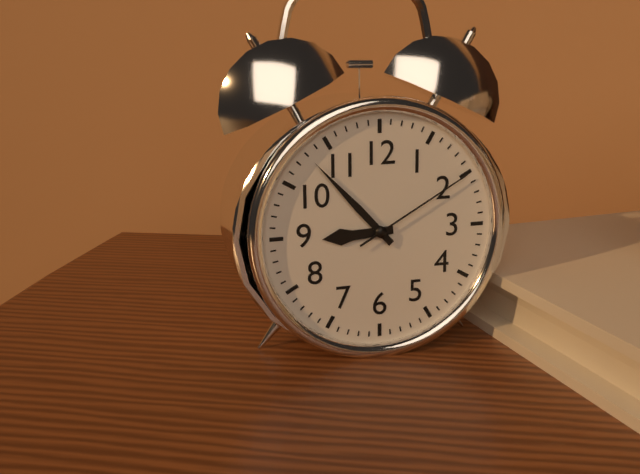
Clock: 8 h 53 min 10 s
